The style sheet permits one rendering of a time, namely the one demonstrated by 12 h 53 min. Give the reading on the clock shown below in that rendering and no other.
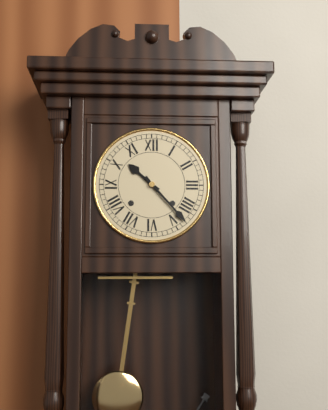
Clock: 10 h 23 min
